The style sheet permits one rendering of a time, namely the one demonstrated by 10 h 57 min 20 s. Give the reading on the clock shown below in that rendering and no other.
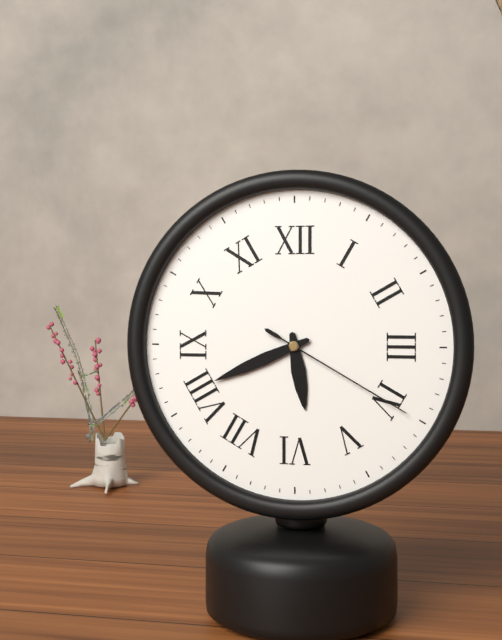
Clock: 5 h 41 min 20 s
